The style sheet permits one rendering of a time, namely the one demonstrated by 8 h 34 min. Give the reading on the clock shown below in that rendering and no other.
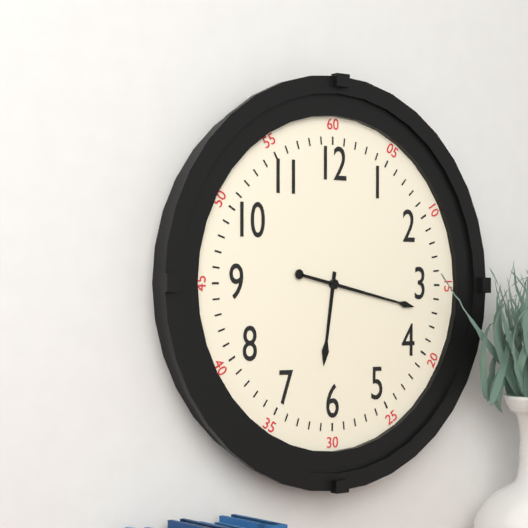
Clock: 6 h 17 min
